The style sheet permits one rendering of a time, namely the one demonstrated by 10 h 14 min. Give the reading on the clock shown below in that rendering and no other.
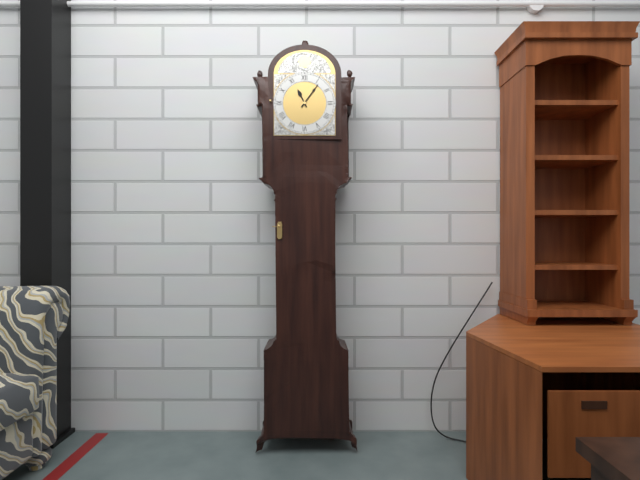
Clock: 11 h 06 min
